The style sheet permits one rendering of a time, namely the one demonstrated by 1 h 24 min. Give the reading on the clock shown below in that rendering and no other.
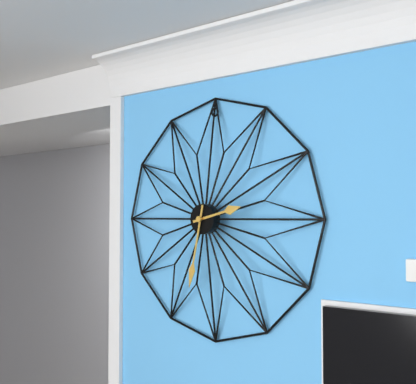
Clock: 2 h 32 min
